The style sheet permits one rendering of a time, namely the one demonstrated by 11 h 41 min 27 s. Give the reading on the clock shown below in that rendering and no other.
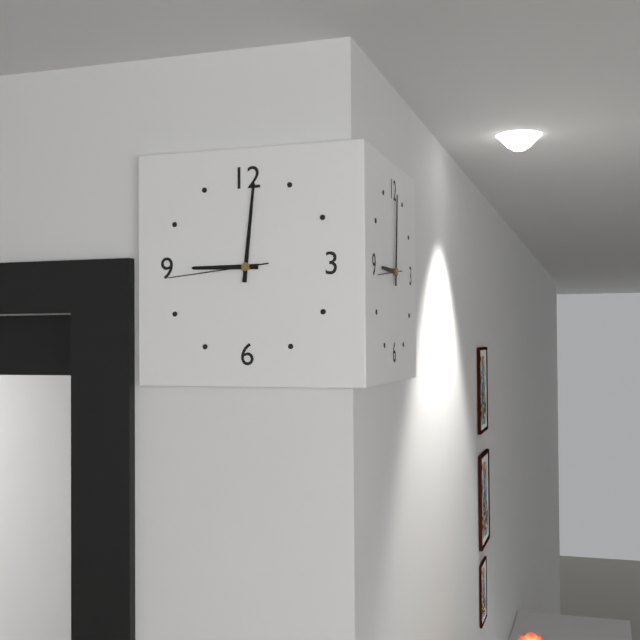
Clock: 9 h 01 min 44 s
